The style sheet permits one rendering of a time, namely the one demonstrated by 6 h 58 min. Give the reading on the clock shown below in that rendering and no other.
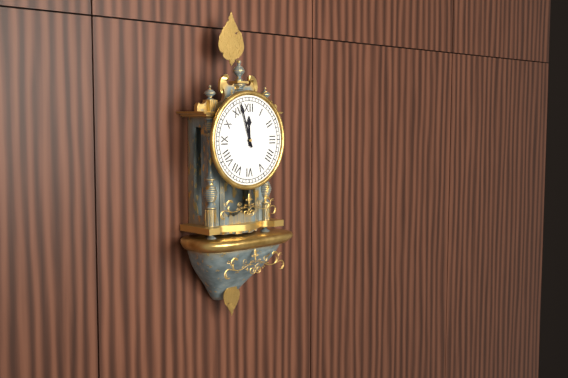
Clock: 11 h 57 min
